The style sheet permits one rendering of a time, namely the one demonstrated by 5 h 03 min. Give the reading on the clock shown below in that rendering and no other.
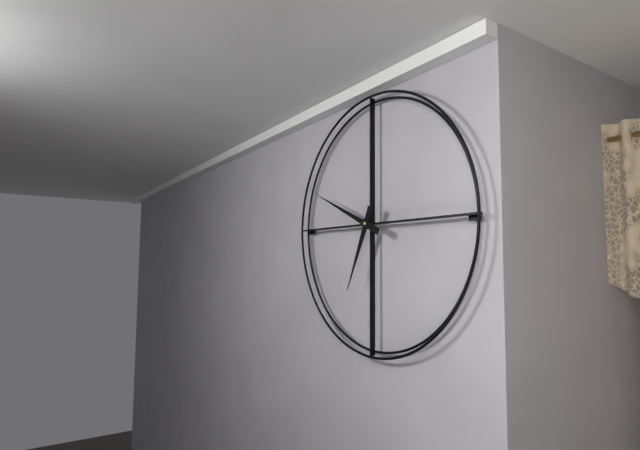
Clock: 6 h 49 min
